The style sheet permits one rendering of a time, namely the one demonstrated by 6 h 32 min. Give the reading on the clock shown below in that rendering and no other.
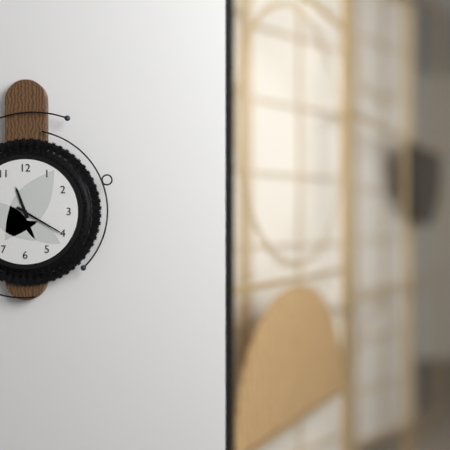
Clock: 11 h 20 min
